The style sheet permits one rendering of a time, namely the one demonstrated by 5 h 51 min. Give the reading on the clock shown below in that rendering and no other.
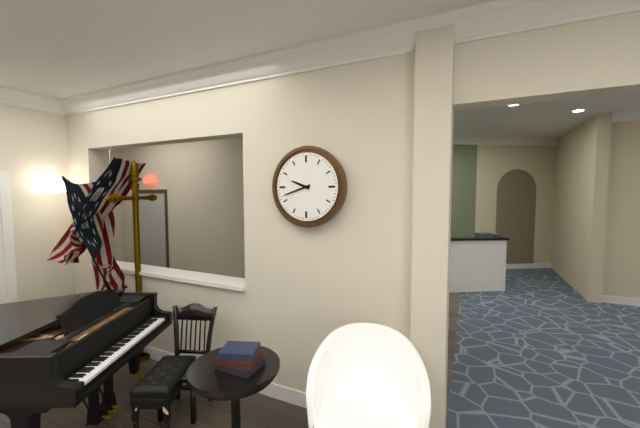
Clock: 9 h 42 min
